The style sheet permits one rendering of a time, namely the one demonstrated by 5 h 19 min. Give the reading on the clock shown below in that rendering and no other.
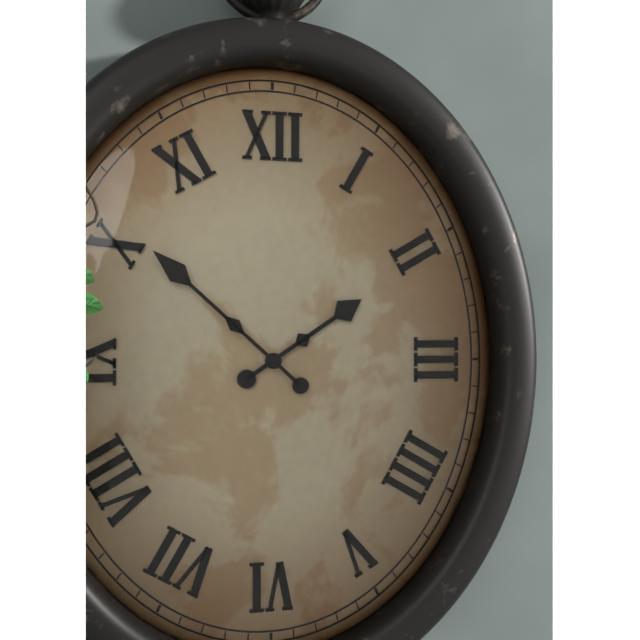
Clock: 1 h 52 min
